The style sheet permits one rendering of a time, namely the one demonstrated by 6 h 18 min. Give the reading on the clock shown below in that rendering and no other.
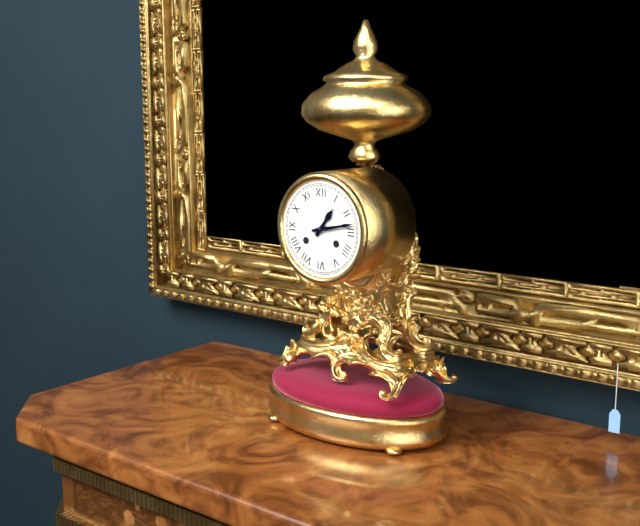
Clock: 1 h 13 min
